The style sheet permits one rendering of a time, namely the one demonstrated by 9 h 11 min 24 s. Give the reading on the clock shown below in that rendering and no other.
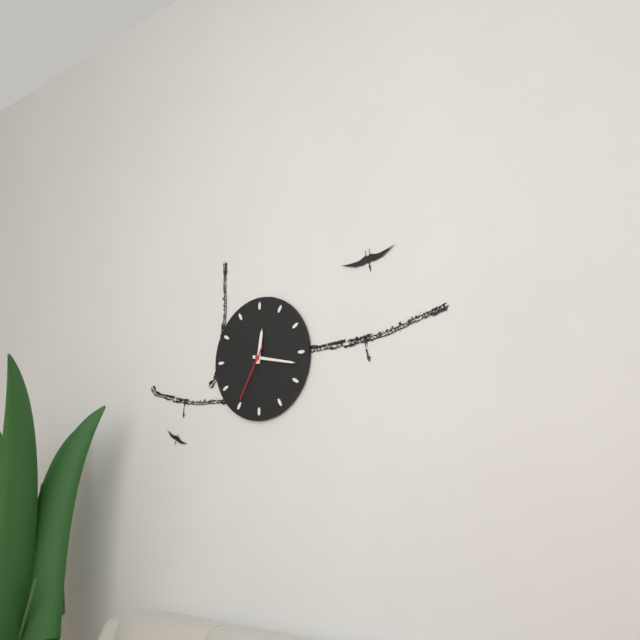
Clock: 12 h 17 min 35 s
